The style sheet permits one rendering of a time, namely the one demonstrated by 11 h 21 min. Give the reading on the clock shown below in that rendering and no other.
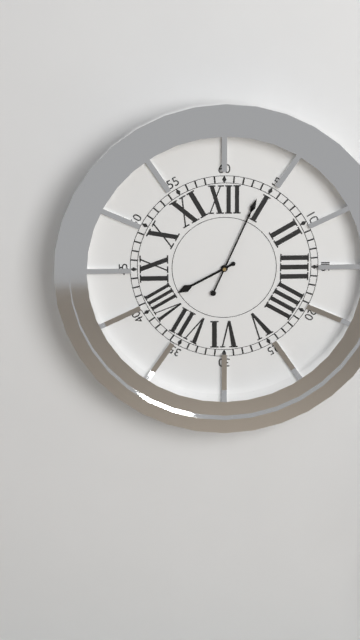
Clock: 8 h 04 min
